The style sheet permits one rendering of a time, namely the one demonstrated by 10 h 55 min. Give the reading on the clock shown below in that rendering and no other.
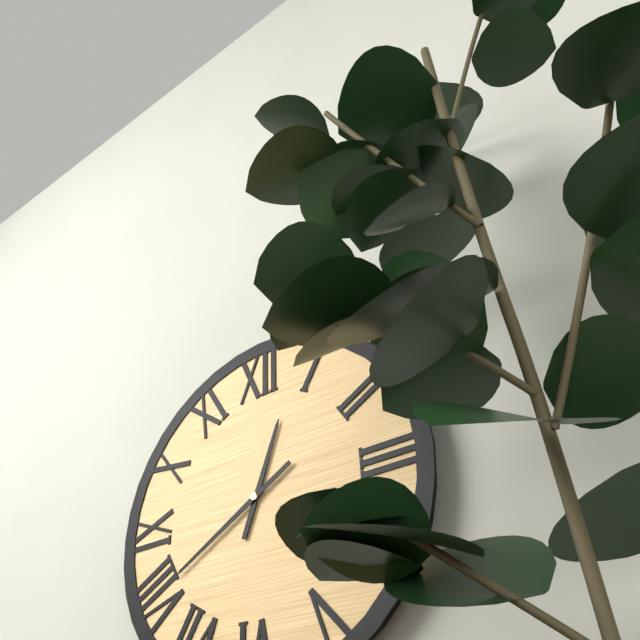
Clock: 12 h 40 min
